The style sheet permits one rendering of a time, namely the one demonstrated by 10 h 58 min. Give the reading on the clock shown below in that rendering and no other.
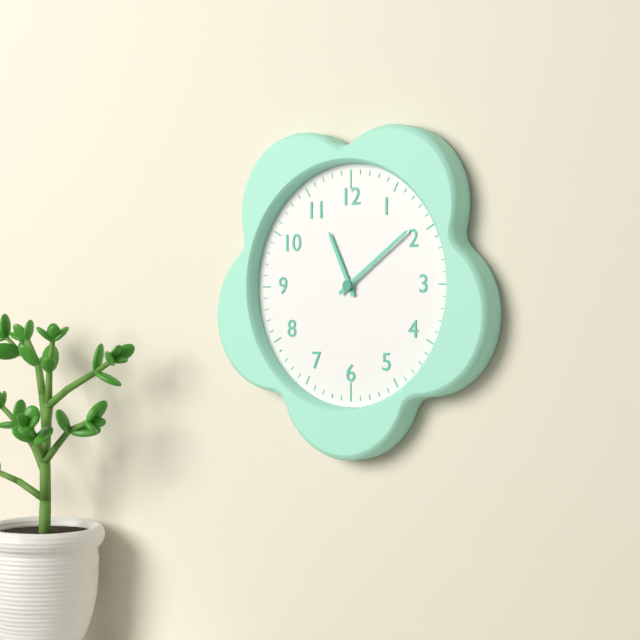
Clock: 11 h 09 min
